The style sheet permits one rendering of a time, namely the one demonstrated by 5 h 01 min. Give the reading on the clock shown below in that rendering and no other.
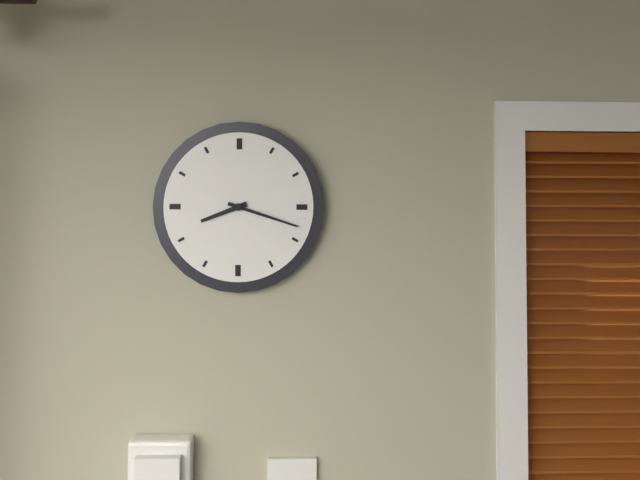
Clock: 8 h 18 min
